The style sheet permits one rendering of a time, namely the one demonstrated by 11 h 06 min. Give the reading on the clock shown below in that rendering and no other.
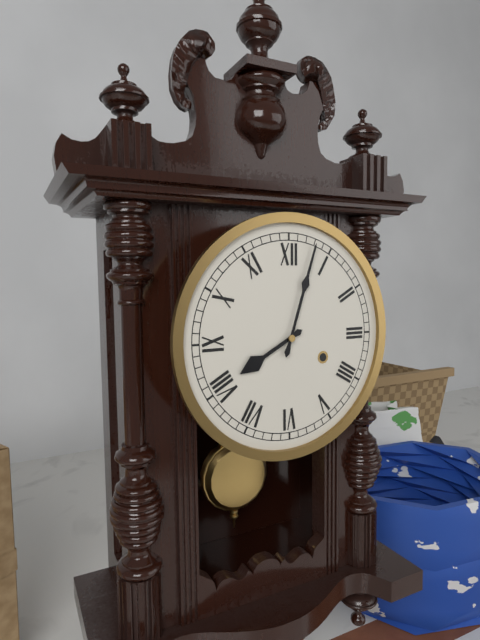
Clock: 8 h 03 min
